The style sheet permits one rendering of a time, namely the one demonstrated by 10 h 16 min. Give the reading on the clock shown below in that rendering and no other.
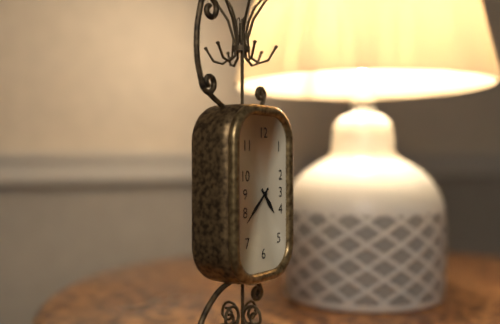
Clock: 4 h 38 min
